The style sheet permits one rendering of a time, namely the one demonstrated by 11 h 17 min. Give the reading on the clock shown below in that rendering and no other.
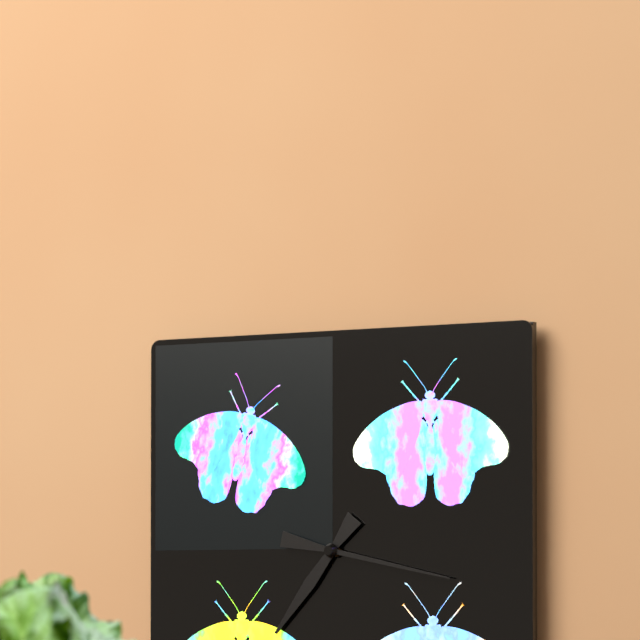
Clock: 7 h 17 min
